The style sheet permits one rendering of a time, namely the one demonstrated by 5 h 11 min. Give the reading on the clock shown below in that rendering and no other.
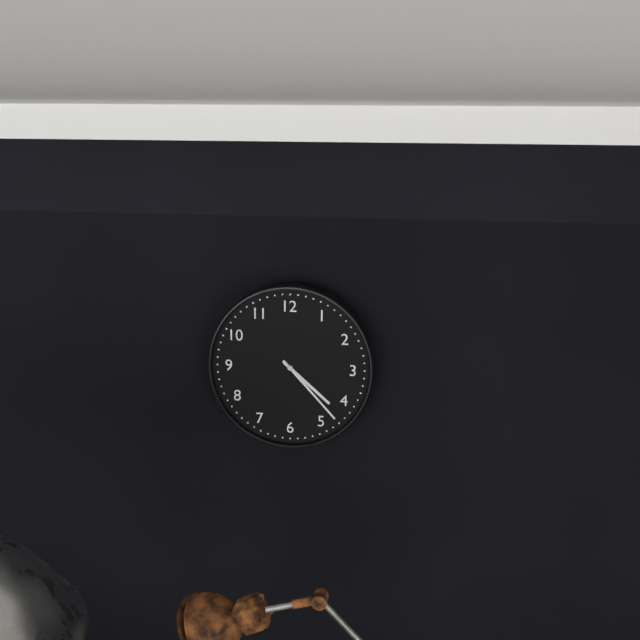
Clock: 4 h 23 min
